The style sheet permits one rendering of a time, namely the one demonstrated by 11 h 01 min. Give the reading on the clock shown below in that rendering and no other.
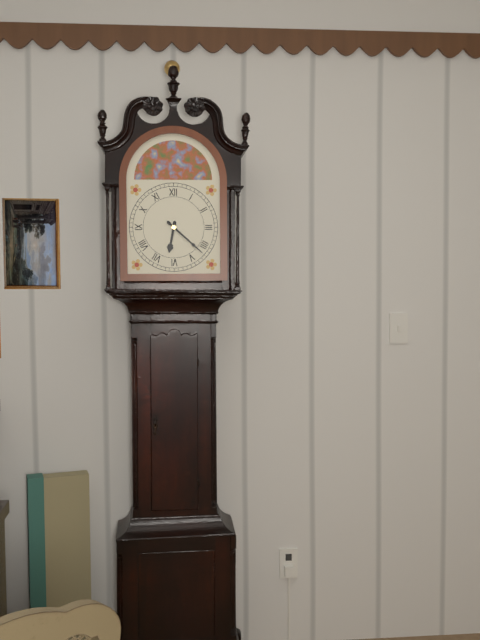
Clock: 6 h 22 min
